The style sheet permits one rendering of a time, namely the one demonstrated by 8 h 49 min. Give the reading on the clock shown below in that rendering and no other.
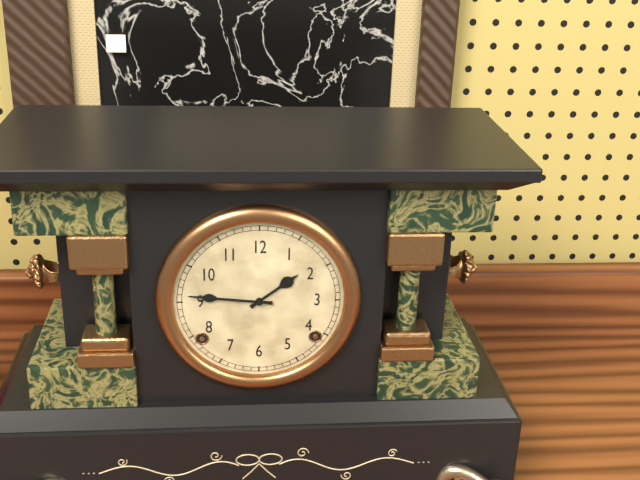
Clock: 1 h 46 min
